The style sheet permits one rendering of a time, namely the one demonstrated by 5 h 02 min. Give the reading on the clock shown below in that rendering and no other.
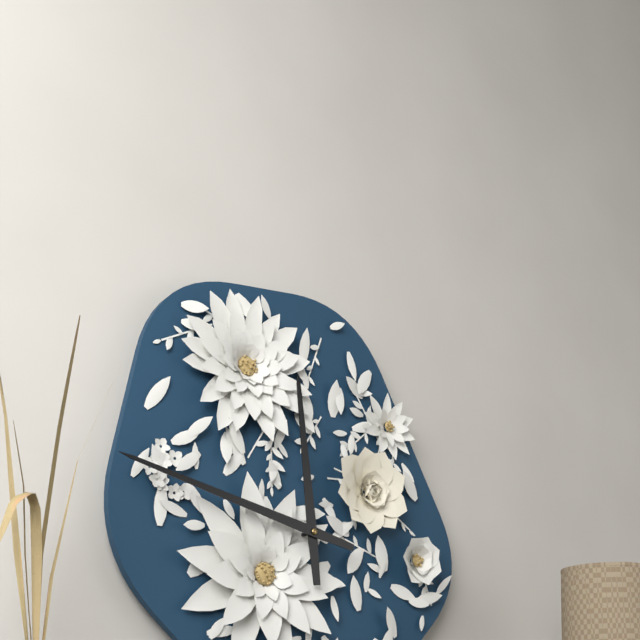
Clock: 11 h 47 min
